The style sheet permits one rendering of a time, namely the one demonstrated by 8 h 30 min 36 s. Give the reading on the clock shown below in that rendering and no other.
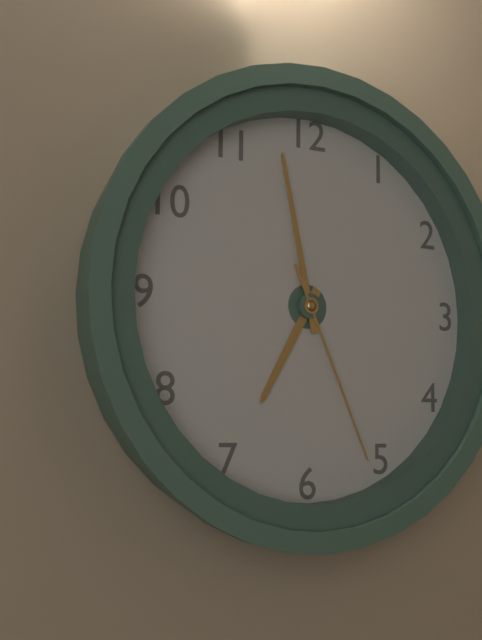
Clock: 6 h 58 min 26 s
